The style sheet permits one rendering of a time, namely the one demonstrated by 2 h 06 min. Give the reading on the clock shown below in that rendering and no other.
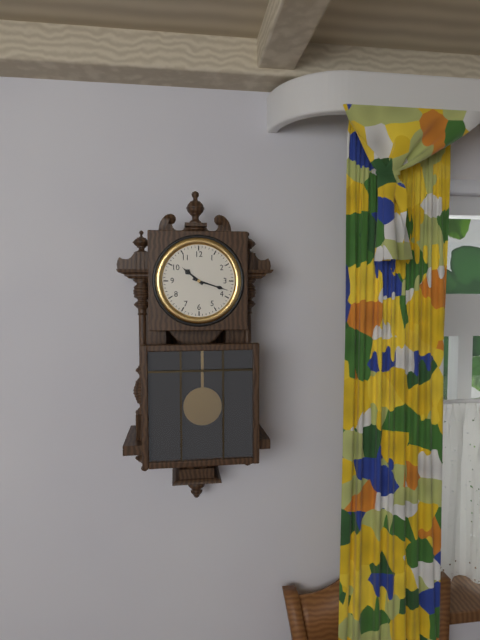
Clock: 10 h 18 min
